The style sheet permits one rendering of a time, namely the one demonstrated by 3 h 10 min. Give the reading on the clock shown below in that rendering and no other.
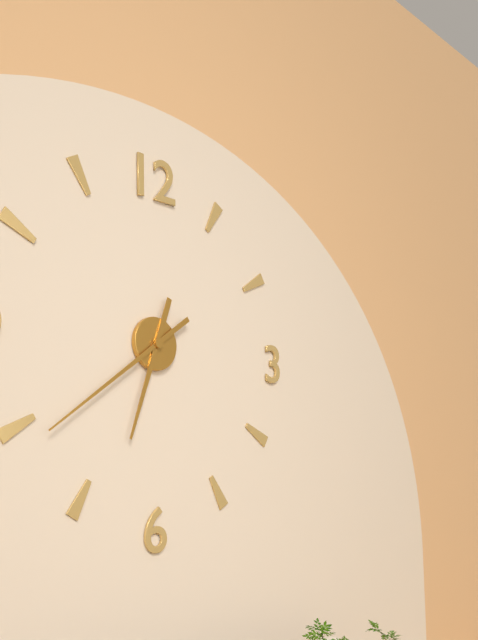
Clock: 6 h 39 min
